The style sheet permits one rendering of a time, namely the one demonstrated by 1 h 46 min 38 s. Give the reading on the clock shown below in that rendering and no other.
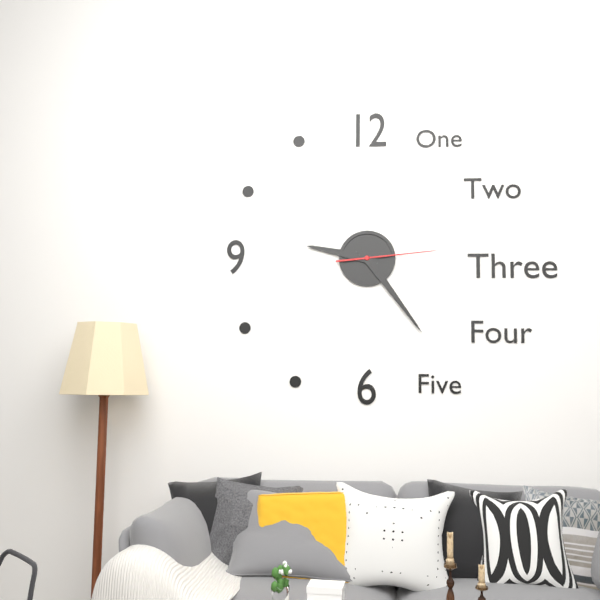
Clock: 9 h 24 min 14 s
